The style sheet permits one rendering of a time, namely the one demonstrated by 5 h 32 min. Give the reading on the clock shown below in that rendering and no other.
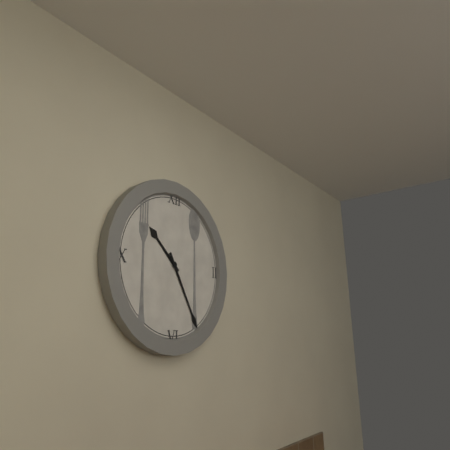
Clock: 10 h 25 min
